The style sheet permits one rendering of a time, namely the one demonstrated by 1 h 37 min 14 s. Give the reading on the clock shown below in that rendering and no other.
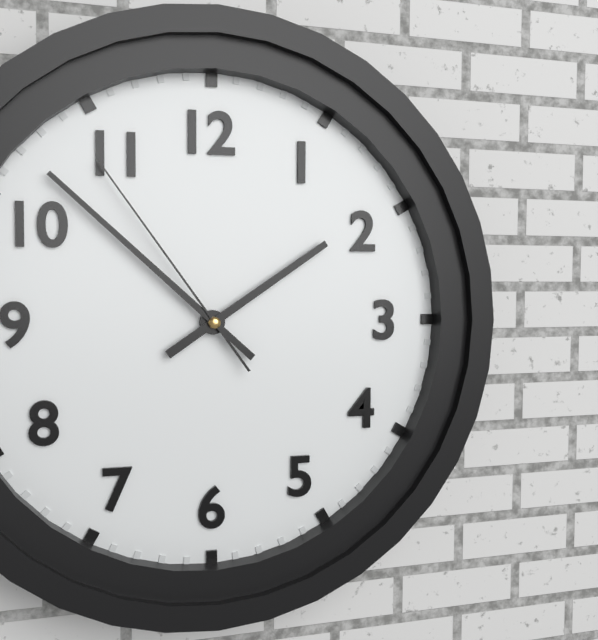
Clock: 1 h 52 min 54 s
